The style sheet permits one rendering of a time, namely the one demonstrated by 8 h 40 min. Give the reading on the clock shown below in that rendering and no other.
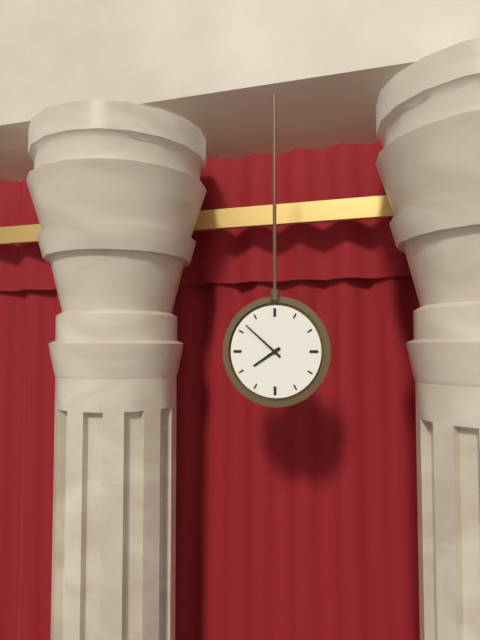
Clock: 7 h 52 min
